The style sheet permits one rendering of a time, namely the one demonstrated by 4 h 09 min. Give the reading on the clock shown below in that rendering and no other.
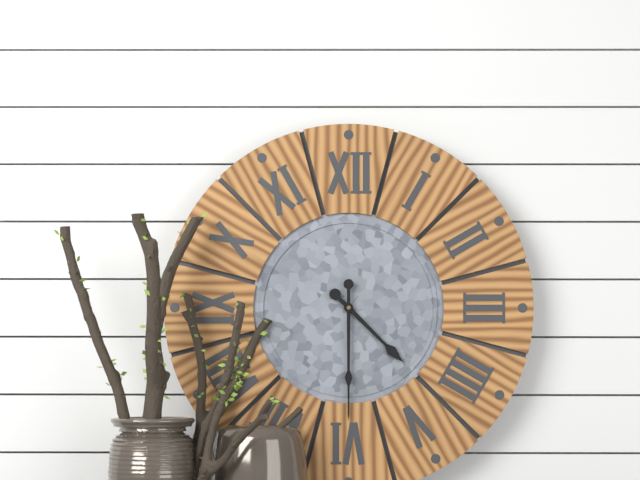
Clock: 4 h 30 min
